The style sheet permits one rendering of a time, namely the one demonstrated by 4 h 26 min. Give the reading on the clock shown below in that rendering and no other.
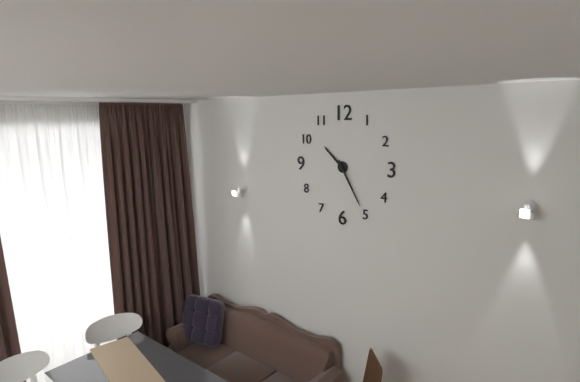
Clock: 10 h 25 min
